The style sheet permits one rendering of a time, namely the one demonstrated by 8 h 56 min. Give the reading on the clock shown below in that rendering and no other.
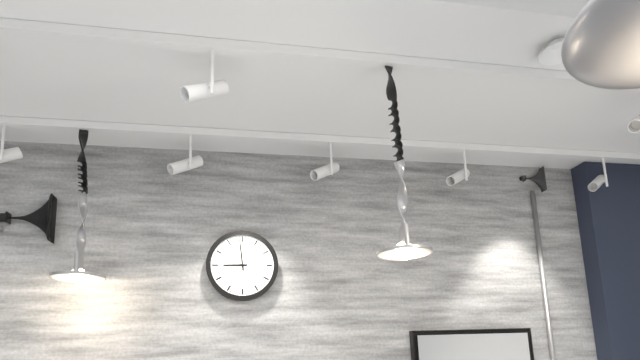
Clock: 8 h 59 min
